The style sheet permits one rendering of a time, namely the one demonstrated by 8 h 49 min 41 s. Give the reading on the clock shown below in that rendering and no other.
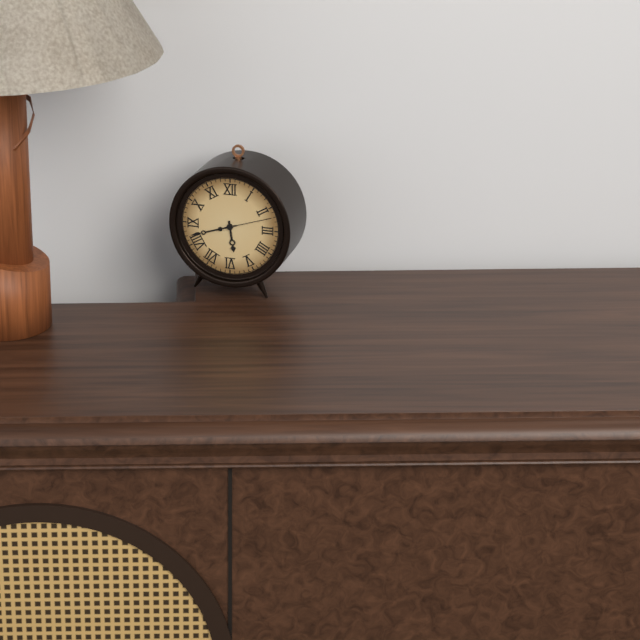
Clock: 5 h 42 min 12 s
